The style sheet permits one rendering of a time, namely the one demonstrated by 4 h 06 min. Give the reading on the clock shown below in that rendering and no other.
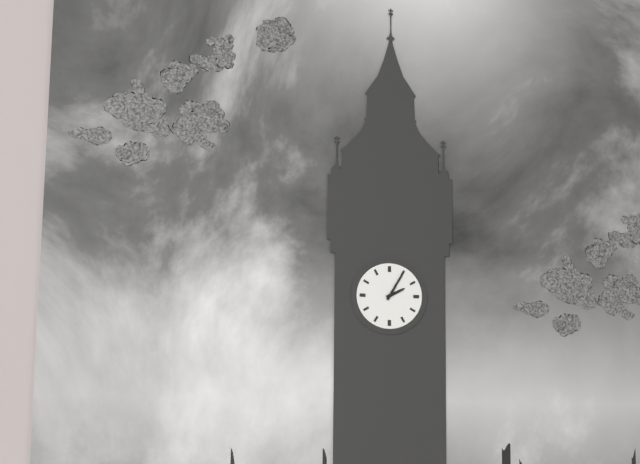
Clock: 2 h 05 min
